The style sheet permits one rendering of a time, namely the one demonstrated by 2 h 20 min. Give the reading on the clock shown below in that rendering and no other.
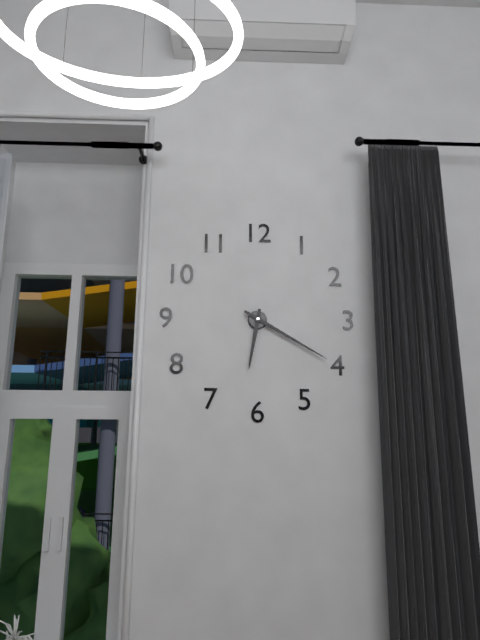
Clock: 6 h 20 min
